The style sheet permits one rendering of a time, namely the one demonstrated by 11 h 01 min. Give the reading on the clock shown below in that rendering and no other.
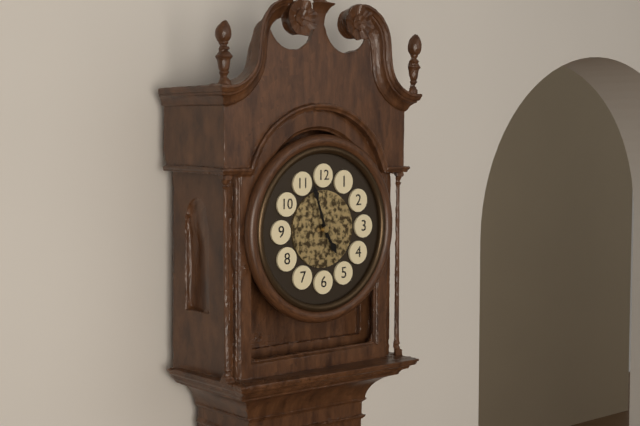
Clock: 4 h 57 min
